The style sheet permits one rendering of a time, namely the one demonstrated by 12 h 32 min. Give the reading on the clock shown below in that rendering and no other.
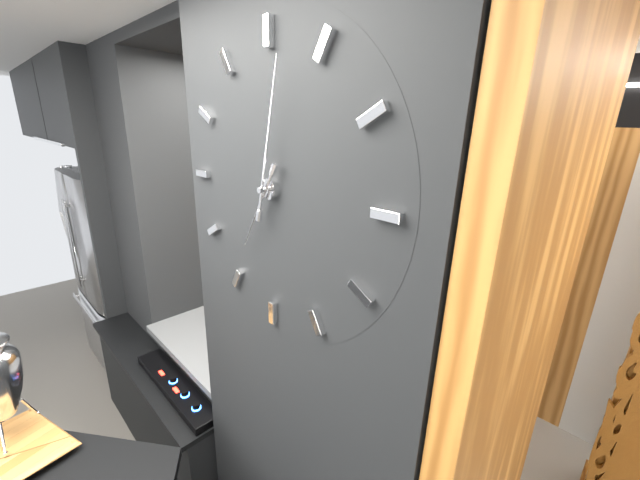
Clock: 7 h 02 min
